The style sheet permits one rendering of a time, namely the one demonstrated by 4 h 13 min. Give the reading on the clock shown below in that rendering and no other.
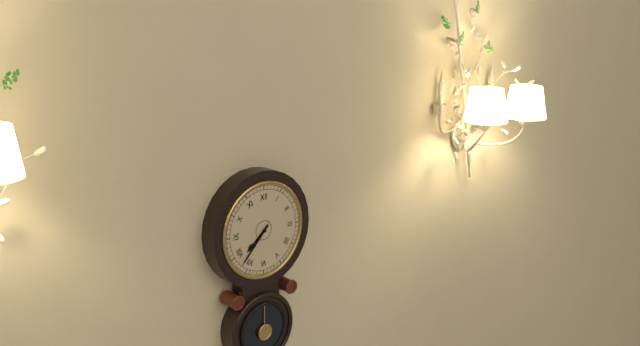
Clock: 7 h 37 min
